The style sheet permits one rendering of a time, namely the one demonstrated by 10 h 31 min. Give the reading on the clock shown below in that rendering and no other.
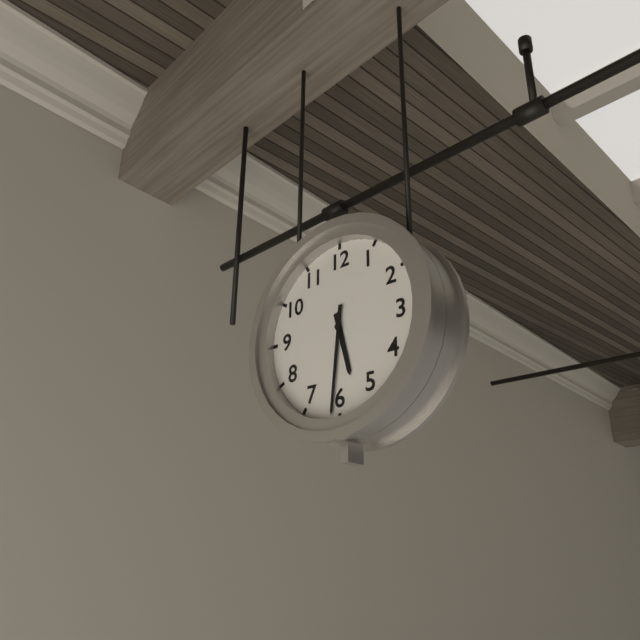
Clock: 5 h 31 min
